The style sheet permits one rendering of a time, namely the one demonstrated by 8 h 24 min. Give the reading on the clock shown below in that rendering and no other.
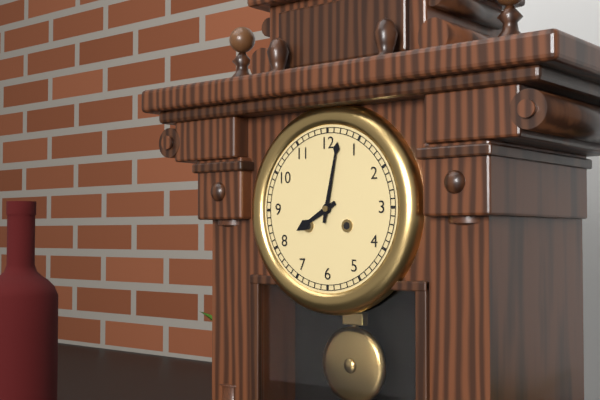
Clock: 8 h 02 min
